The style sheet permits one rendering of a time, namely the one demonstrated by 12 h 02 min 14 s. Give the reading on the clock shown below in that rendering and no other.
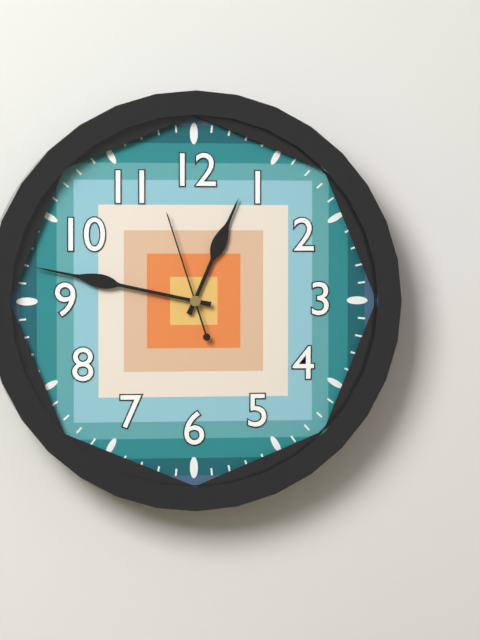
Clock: 12 h 47 min 57 s
